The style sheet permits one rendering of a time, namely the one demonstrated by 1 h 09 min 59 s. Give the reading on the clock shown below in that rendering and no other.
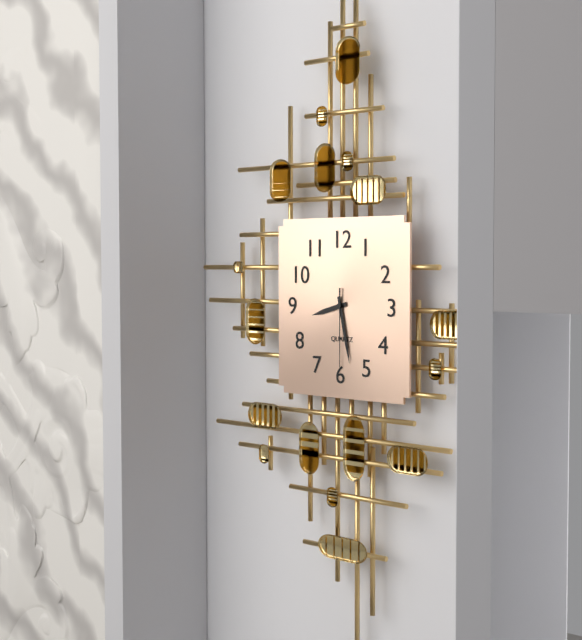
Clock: 8 h 28 min 30 s
